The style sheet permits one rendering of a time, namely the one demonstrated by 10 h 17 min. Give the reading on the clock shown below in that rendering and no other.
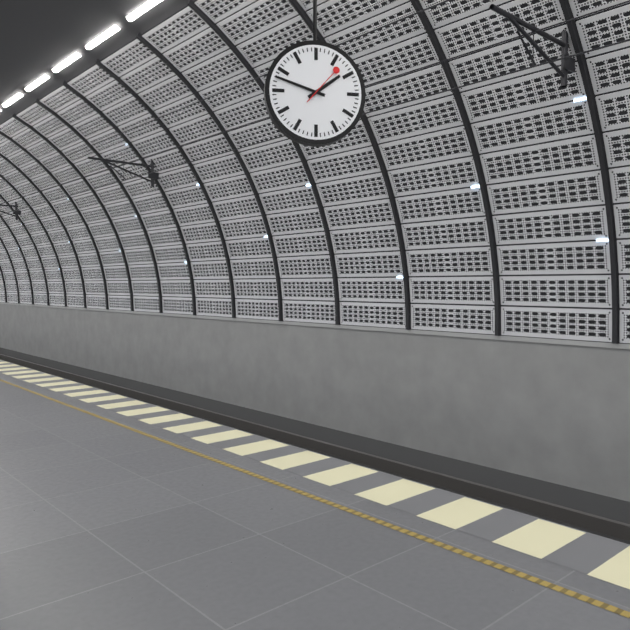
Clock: 1 h 48 min
